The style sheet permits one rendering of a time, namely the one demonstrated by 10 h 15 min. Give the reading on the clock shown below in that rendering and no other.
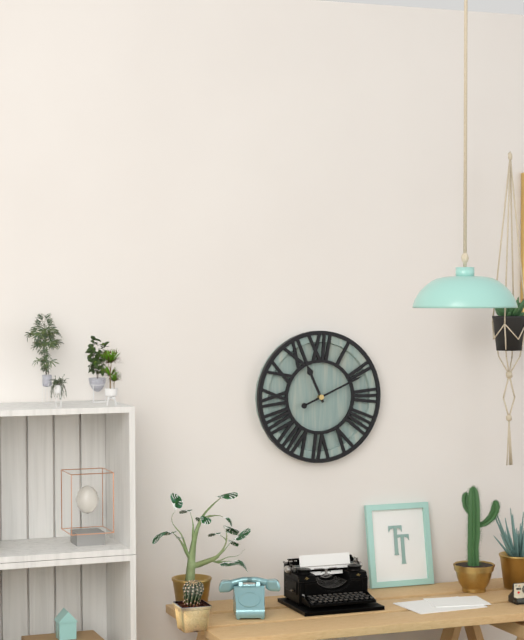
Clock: 11 h 11 min
